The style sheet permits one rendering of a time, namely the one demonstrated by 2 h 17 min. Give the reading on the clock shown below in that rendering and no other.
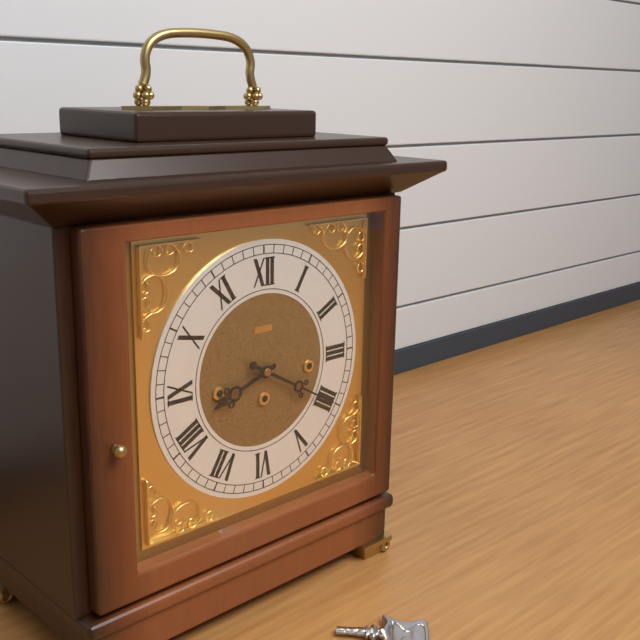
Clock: 8 h 20 min
